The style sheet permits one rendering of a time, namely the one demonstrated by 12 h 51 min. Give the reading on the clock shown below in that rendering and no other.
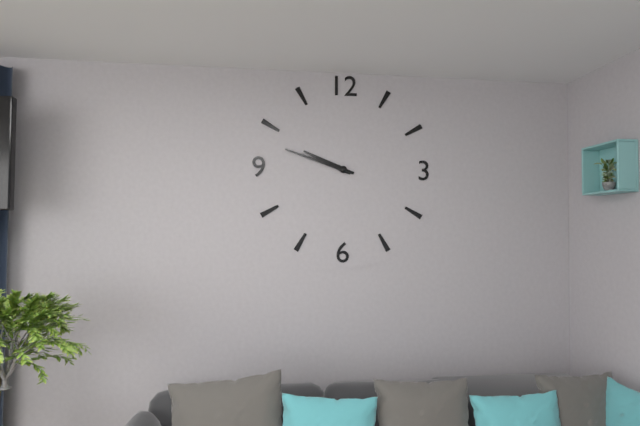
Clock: 9 h 48 min
